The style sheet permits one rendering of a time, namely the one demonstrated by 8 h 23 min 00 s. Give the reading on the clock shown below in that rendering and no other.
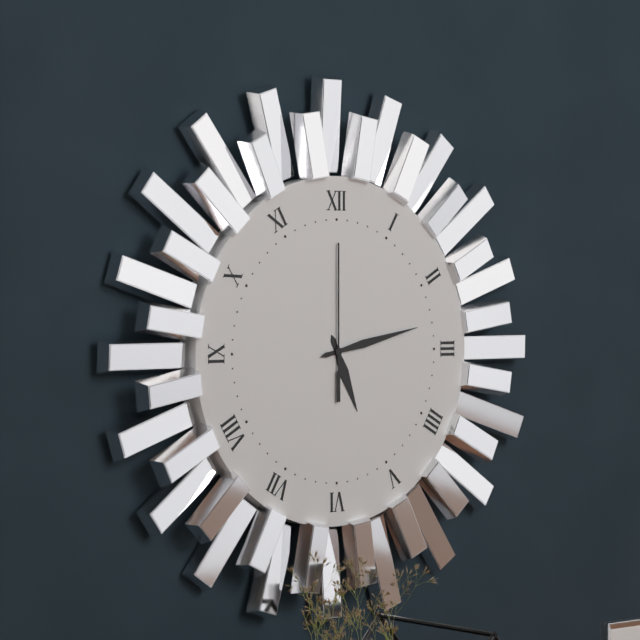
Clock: 5 h 13 min 00 s
